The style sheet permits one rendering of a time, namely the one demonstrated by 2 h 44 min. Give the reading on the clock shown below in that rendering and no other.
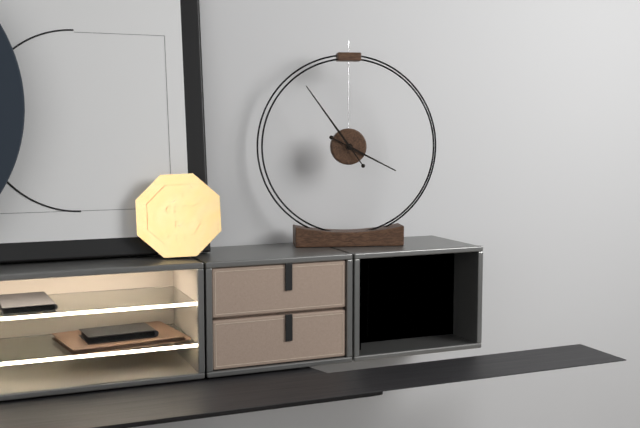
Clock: 3 h 54 min
